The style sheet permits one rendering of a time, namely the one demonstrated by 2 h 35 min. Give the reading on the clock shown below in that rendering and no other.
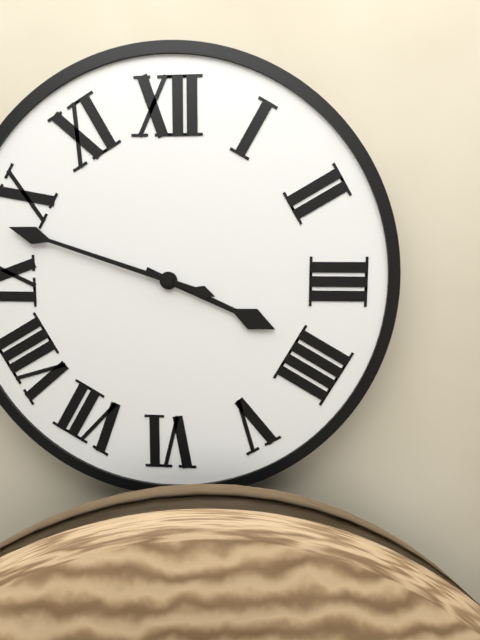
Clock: 3 h 48 min
